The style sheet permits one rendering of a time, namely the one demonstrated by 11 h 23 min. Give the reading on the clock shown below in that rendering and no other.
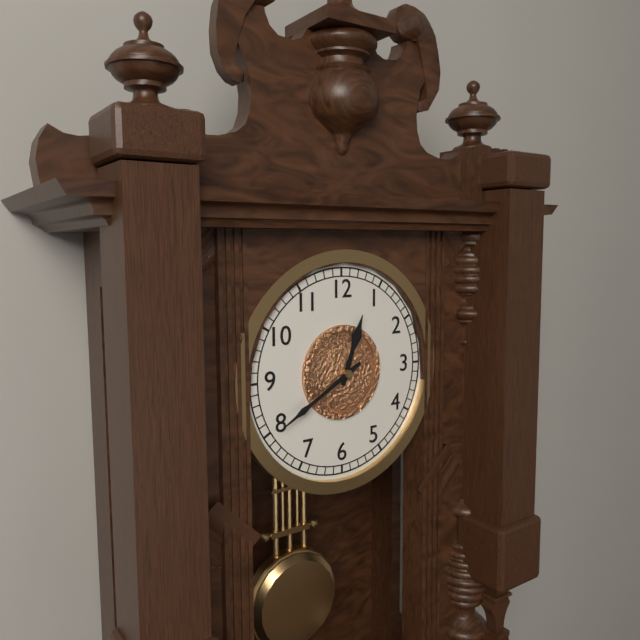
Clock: 12 h 40 min
